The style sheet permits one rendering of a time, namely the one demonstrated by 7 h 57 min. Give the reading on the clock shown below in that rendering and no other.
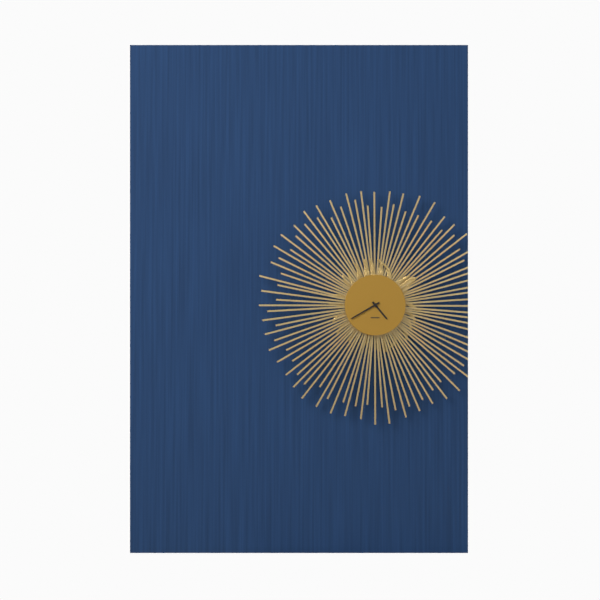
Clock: 4 h 40 min
